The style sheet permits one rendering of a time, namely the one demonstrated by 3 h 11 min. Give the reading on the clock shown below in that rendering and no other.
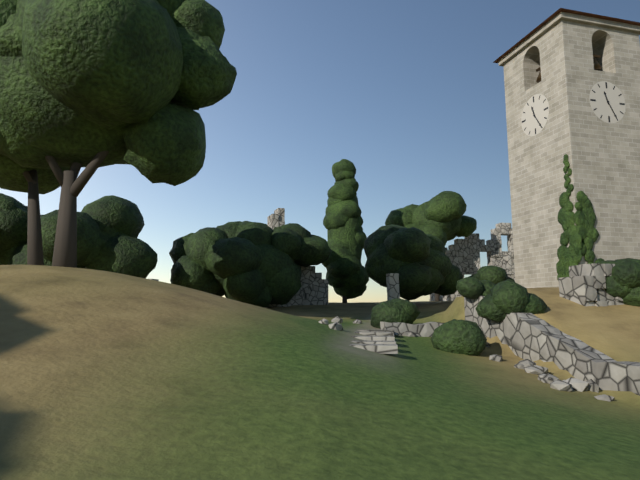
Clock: 11 h 25 min
